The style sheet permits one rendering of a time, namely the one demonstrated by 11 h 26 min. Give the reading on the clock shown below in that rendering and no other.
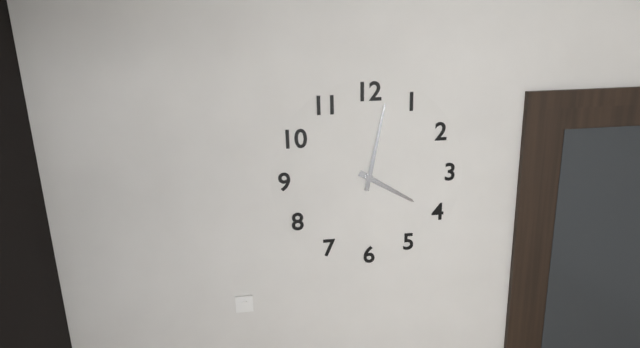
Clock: 4 h 02 min
